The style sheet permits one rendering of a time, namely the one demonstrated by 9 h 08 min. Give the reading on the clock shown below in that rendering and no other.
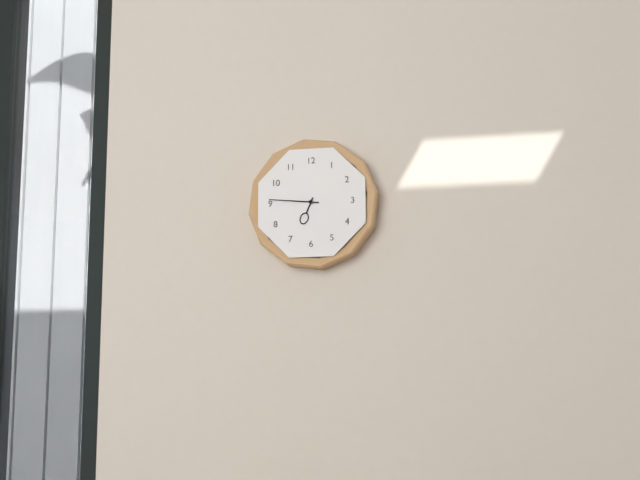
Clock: 6 h 46 min
